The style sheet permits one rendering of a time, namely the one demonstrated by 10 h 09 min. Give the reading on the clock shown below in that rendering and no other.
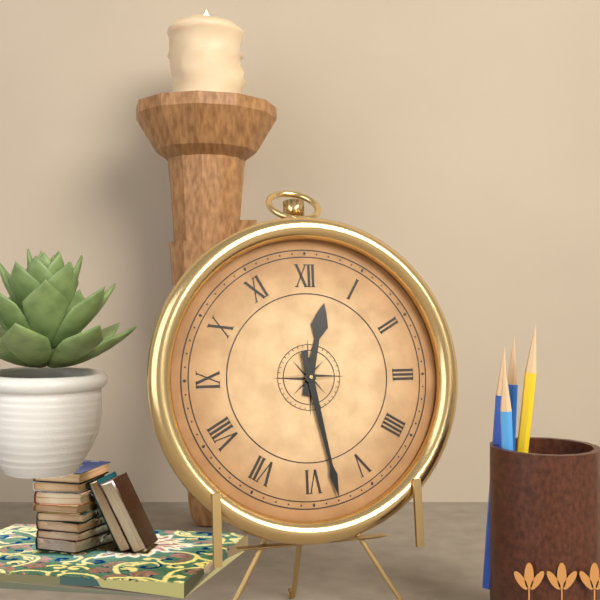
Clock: 12 h 28 min
